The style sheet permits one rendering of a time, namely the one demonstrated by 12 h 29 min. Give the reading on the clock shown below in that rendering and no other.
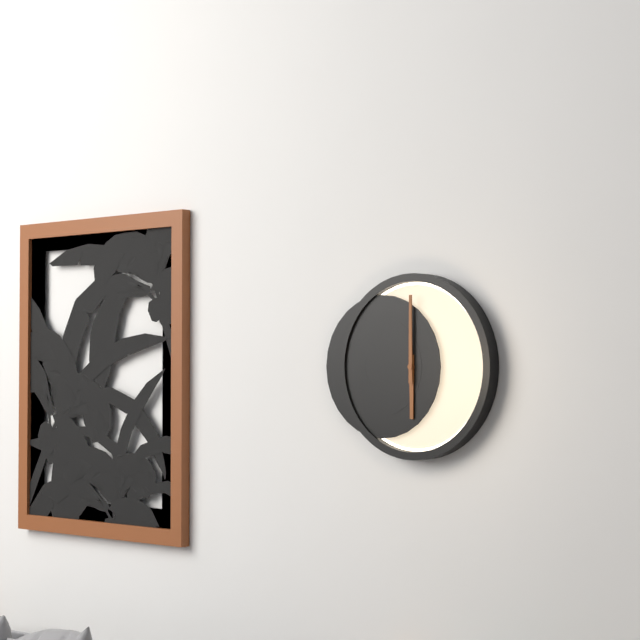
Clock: 6 h 00 min
